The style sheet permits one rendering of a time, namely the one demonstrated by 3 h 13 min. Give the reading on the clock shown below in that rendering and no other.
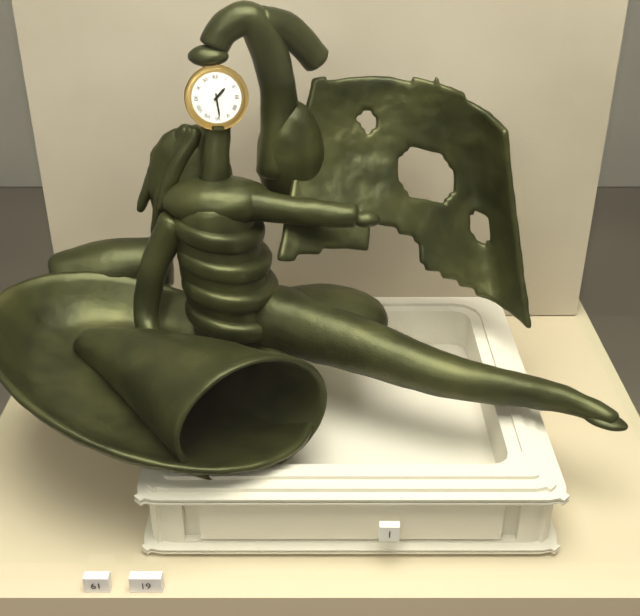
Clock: 1 h 29 min
